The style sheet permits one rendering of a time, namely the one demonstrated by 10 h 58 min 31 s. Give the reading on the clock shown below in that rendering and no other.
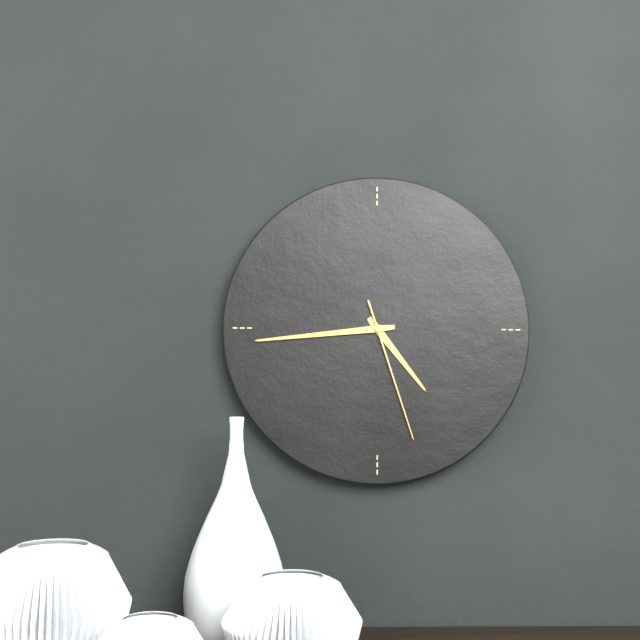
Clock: 4 h 44 min 27 s
